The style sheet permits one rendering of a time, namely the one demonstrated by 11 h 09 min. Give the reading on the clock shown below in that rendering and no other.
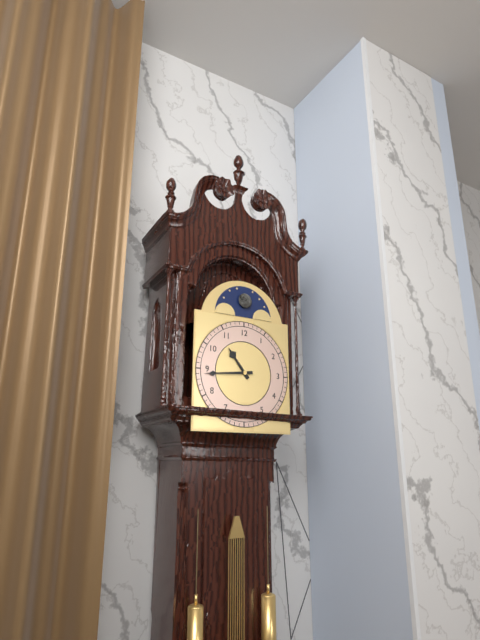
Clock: 10 h 44 min
